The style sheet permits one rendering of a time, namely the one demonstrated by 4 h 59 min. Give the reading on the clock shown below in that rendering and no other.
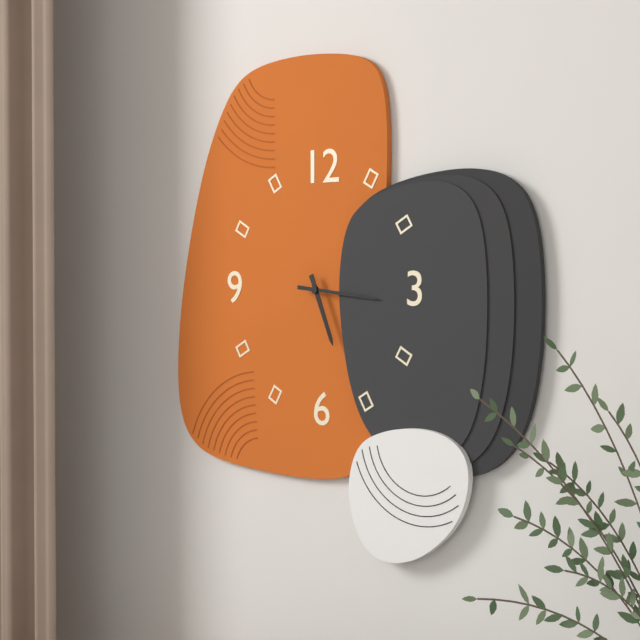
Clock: 5 h 16 min
